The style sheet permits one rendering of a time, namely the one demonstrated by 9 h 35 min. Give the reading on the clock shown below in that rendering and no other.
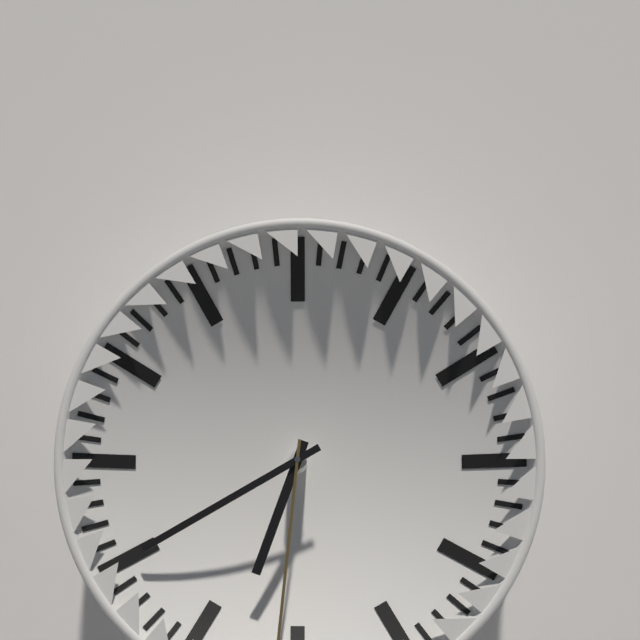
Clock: 6 h 40 min
